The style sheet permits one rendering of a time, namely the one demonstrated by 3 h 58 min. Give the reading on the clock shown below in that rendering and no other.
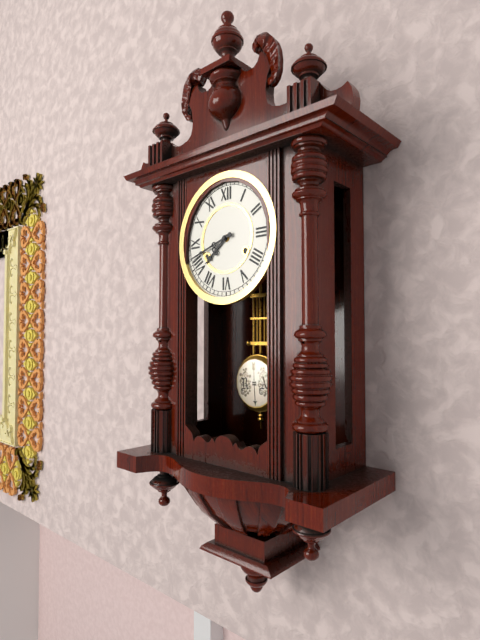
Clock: 7 h 42 min
